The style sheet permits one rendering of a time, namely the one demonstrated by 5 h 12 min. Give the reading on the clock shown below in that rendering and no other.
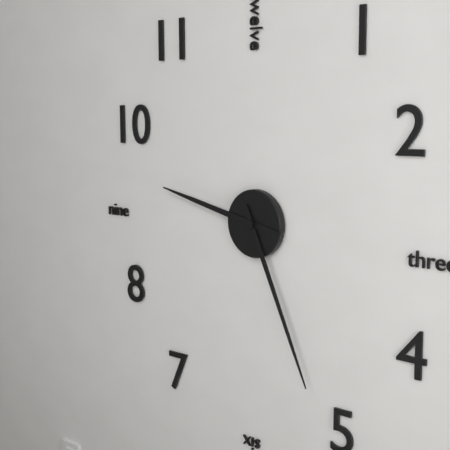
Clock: 9 h 26 min
